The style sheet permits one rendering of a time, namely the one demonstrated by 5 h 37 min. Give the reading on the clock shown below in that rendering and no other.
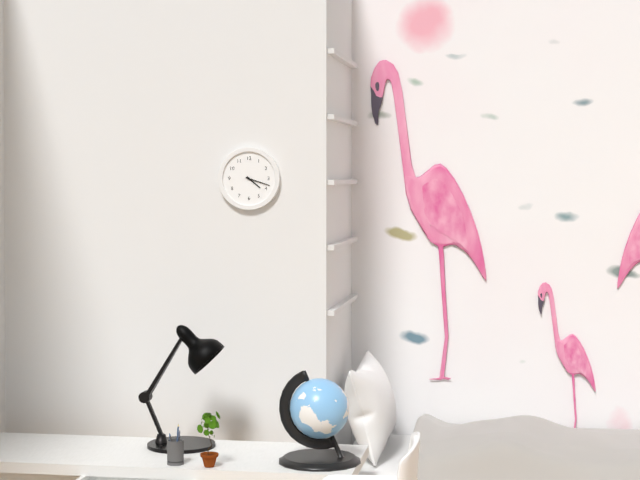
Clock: 4 h 18 min
